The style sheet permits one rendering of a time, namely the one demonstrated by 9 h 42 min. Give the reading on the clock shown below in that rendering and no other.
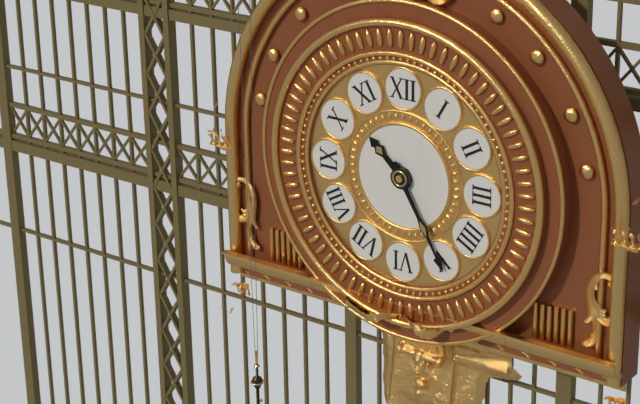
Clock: 10 h 25 min
